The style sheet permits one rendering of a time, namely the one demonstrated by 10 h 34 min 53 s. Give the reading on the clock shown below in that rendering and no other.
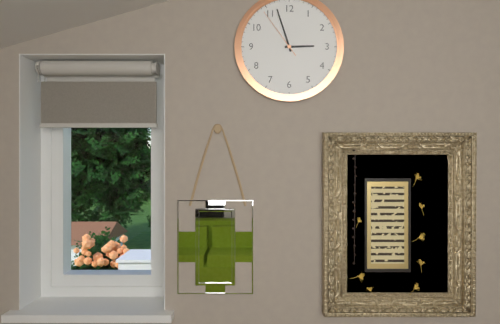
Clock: 2 h 57 min 54 s
